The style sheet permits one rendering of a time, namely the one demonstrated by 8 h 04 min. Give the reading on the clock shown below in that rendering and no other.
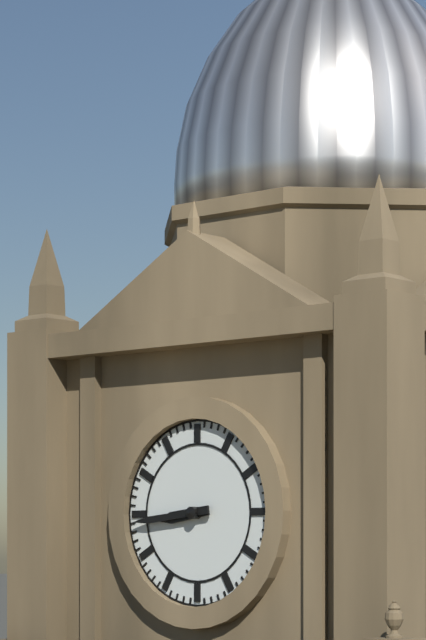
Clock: 8 h 44 min
